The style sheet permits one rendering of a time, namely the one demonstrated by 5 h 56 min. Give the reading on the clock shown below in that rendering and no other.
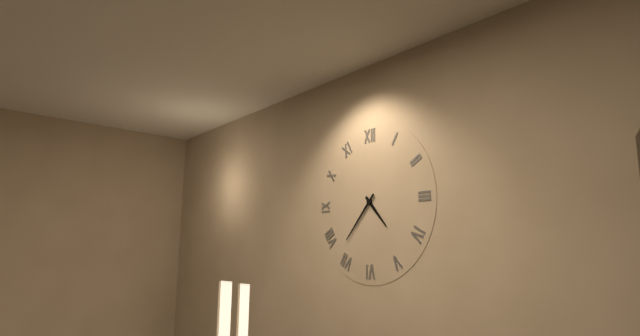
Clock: 4 h 37 min
